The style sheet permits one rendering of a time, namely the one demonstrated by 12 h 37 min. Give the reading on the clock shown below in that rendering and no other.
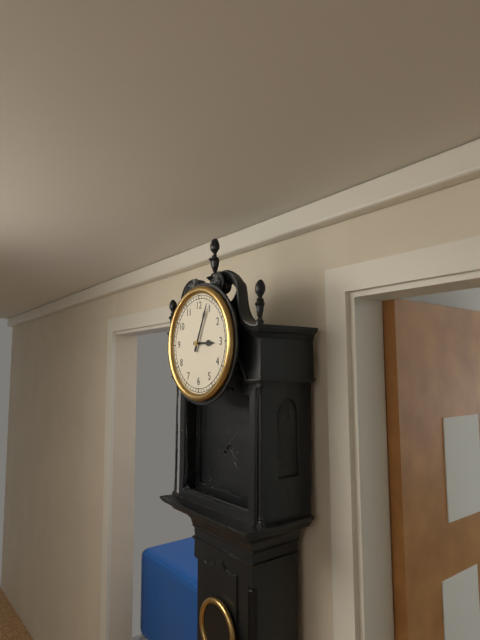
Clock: 3 h 04 min
